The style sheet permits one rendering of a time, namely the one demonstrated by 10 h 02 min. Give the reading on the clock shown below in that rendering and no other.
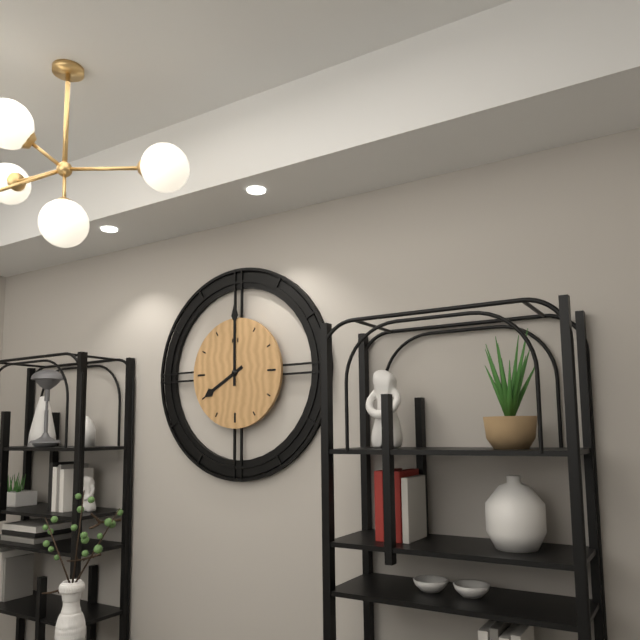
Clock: 8 h 00 min
